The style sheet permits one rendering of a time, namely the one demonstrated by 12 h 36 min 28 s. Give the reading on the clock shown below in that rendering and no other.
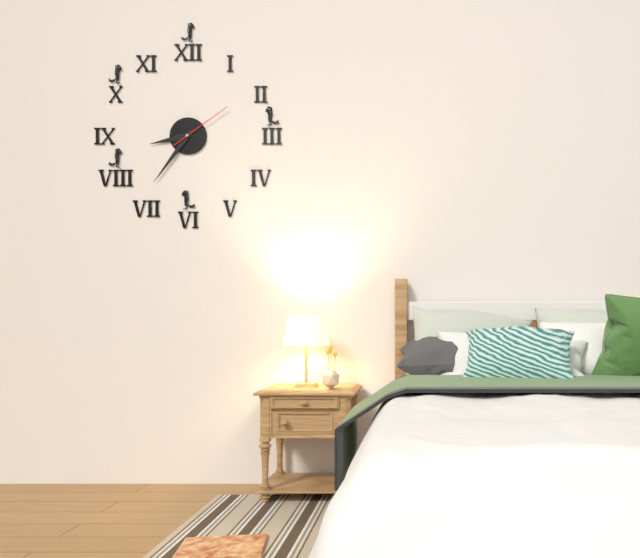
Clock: 8 h 36 min 09 s
